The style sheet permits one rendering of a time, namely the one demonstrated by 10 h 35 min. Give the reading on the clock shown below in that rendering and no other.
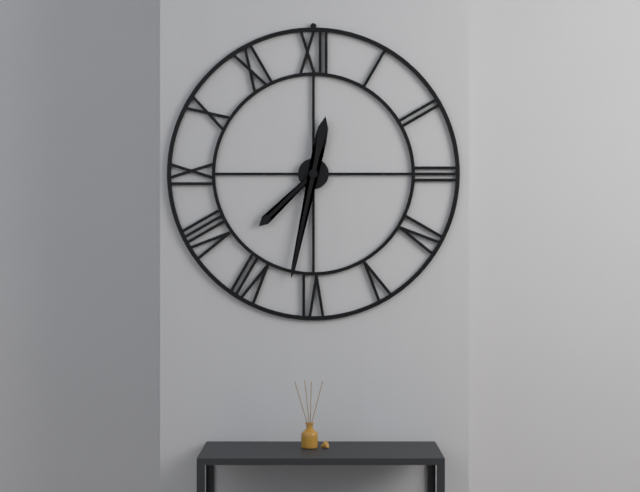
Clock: 7 h 32 min
